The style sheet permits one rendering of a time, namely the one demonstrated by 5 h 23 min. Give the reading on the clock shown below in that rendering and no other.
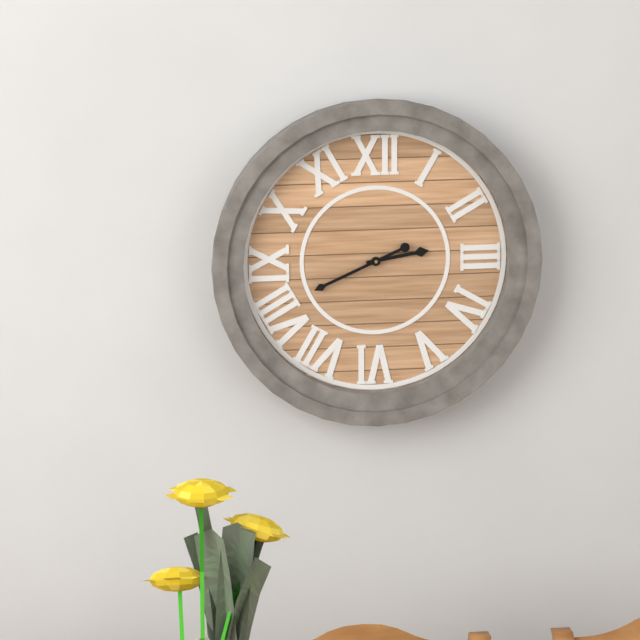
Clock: 2 h 41 min
